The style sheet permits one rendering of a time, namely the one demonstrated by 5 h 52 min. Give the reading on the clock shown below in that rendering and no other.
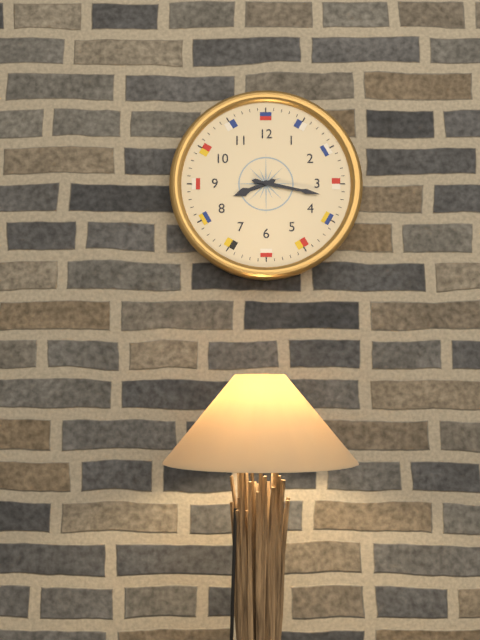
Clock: 8 h 17 min
